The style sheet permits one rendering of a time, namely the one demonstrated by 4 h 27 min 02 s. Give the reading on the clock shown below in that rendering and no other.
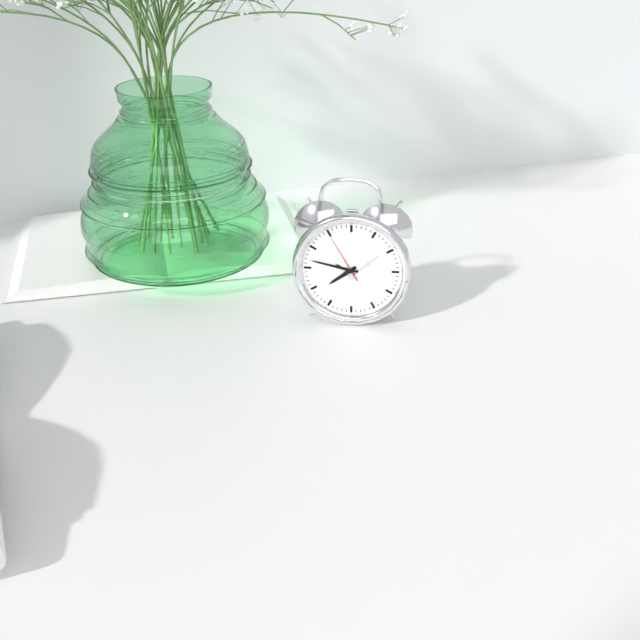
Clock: 7 h 47 min 55 s
